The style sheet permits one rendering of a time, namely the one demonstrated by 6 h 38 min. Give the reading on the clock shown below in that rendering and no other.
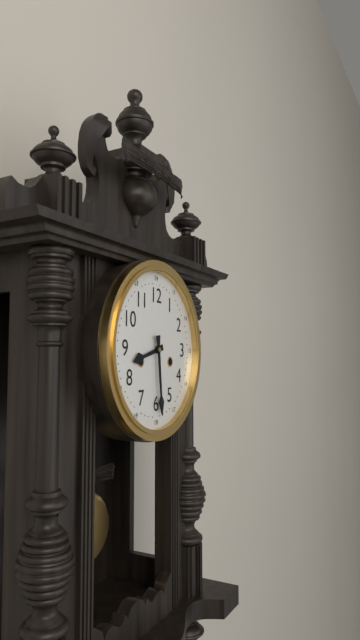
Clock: 8 h 29 min
